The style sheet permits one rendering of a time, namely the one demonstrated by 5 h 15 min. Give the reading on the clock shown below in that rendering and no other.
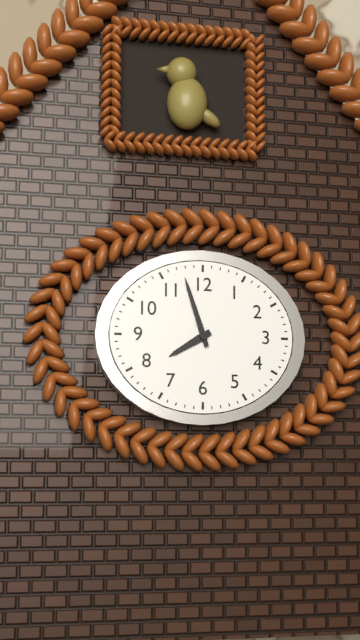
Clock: 7 h 57 min
